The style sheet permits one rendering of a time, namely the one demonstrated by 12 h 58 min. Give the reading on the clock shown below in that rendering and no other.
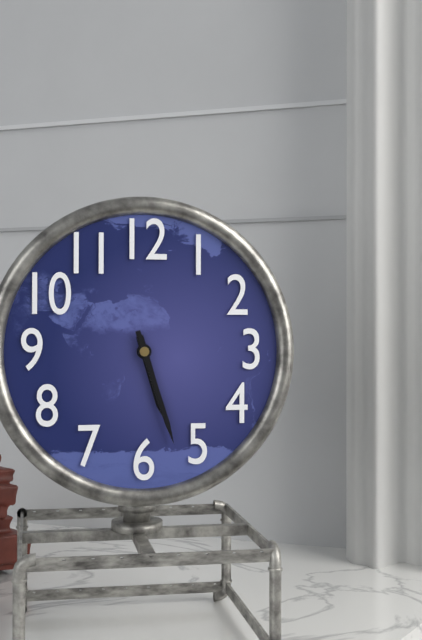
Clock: 5 h 27 min
